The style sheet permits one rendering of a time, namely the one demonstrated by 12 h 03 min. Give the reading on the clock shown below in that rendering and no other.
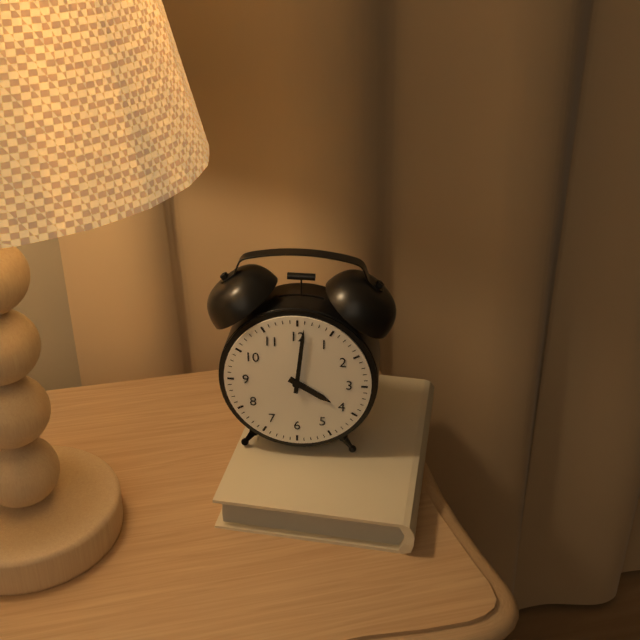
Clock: 4 h 01 min
